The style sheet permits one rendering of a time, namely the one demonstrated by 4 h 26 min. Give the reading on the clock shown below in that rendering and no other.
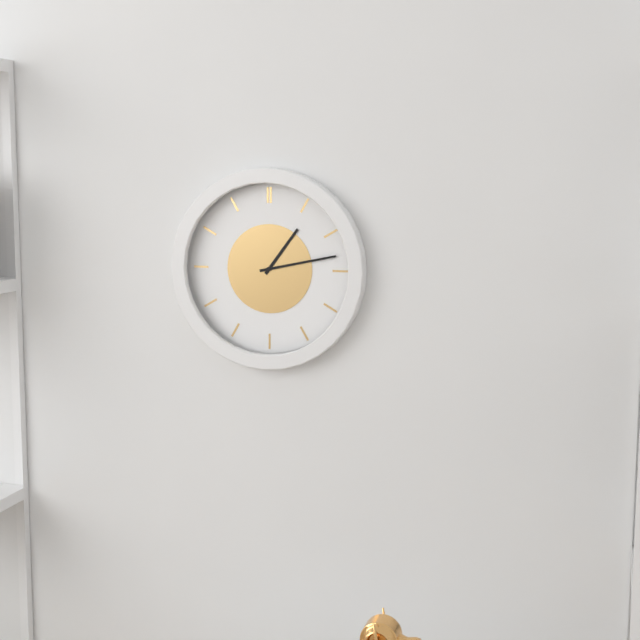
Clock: 1 h 13 min
